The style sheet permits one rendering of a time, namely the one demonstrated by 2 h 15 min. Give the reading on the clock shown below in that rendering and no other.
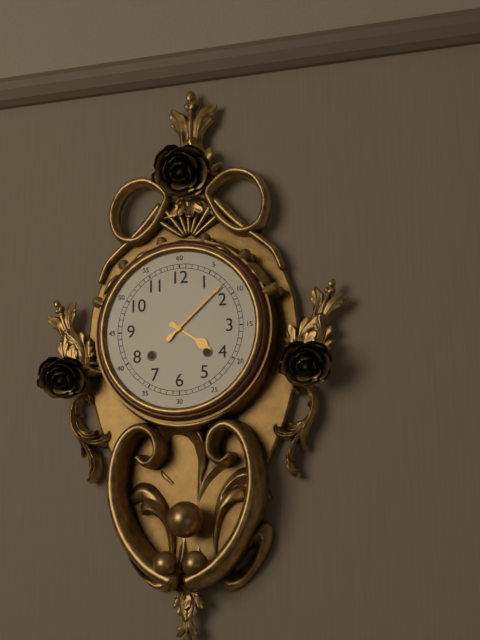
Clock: 4 h 08 min
